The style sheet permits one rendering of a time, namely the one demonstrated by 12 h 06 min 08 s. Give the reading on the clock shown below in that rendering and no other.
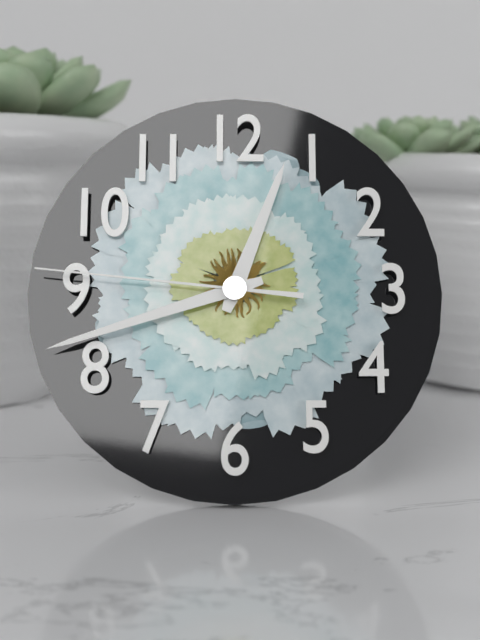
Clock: 12 h 42 min 46 s
